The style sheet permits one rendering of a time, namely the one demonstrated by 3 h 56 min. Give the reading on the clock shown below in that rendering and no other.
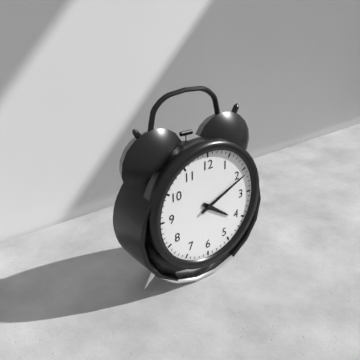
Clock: 4 h 11 min
